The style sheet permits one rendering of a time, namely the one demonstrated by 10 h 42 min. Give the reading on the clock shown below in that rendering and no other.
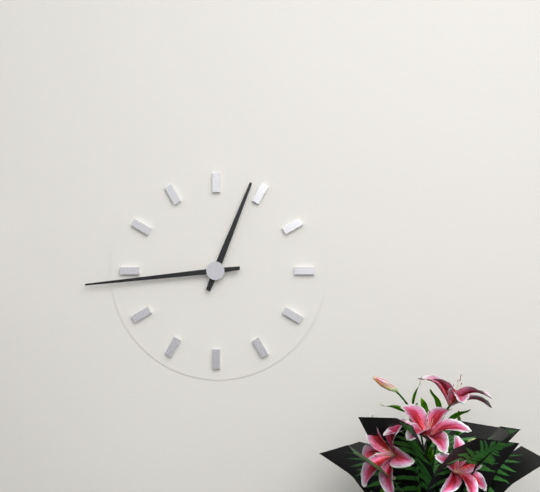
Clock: 12 h 44 min
